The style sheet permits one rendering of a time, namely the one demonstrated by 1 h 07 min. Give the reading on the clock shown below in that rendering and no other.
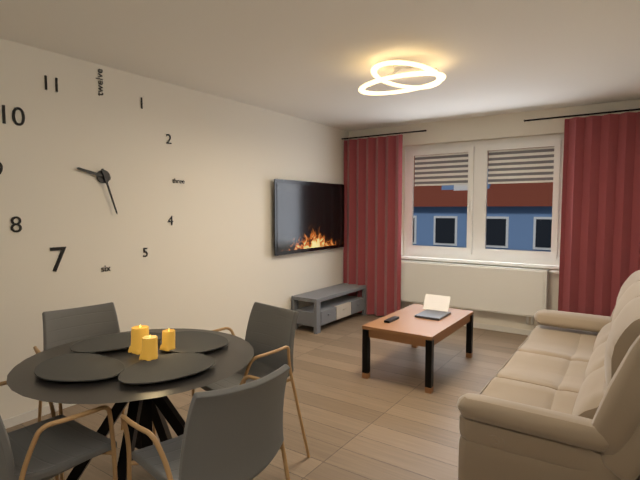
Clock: 9 h 27 min
